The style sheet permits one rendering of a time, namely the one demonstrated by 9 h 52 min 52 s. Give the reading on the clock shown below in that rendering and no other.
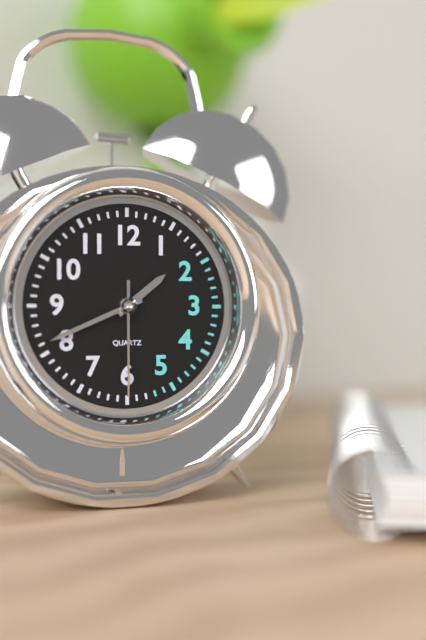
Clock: 1 h 41 min 30 s
